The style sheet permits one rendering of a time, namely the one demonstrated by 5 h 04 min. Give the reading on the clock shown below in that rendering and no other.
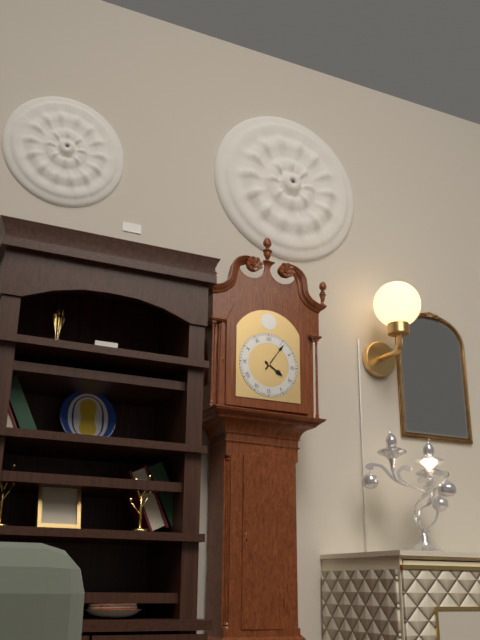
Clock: 4 h 06 min
